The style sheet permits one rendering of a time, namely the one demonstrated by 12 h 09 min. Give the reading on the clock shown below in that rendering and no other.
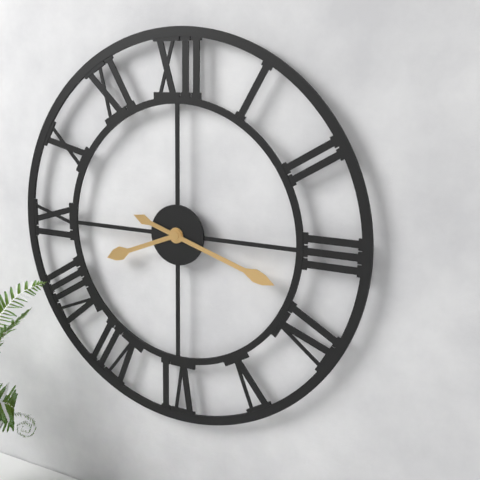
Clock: 8 h 18 min
